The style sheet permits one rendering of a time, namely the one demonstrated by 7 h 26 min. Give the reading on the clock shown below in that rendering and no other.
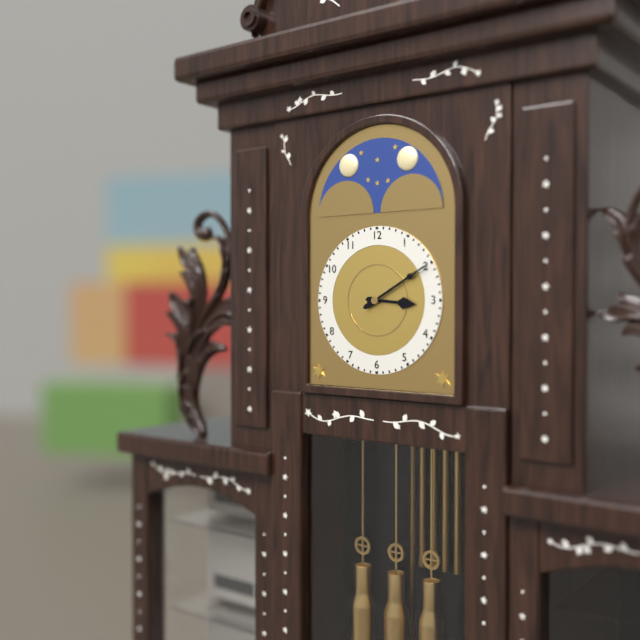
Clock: 3 h 10 min
